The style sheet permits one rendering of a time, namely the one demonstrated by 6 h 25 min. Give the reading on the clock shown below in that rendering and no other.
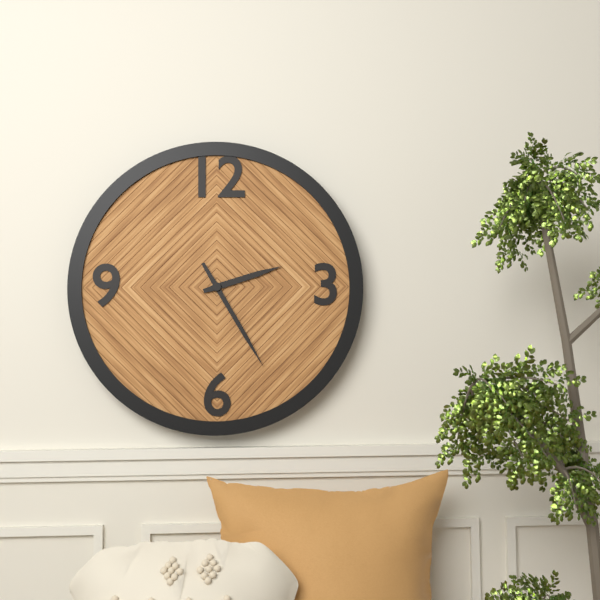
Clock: 2 h 25 min
